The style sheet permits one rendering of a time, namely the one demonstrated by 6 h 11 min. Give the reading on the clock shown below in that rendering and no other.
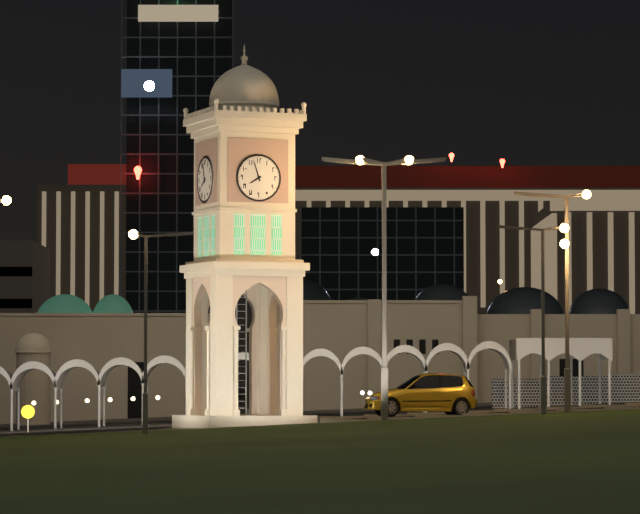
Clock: 7 h 57 min
